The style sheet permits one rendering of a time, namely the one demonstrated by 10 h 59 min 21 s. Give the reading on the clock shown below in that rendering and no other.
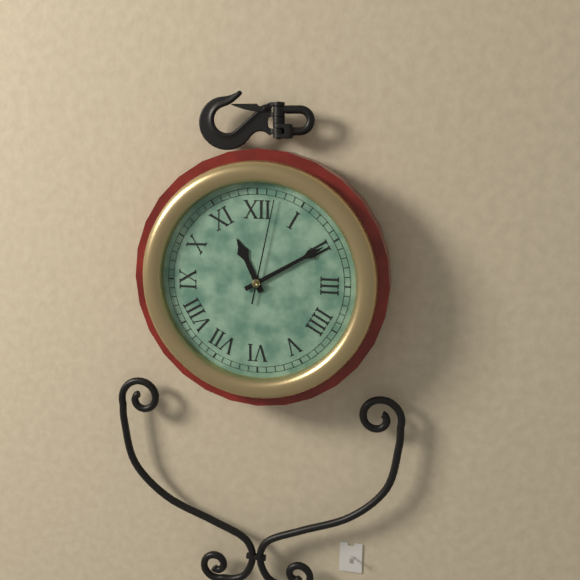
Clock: 11 h 10 min 02 s
